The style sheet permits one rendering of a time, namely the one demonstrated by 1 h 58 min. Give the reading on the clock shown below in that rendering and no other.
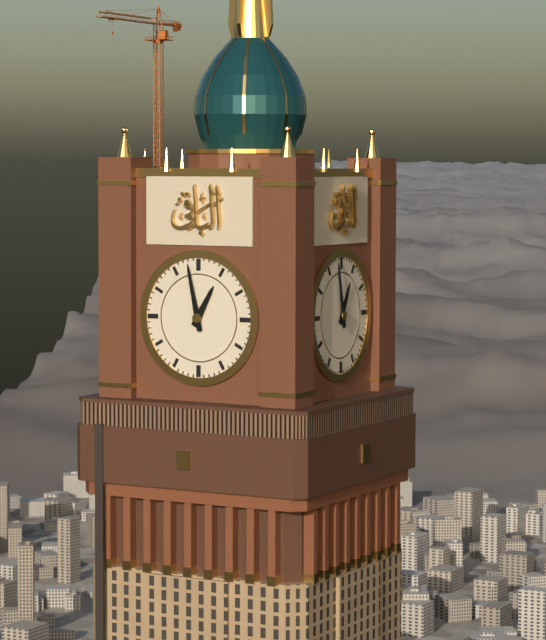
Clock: 12 h 58 min
